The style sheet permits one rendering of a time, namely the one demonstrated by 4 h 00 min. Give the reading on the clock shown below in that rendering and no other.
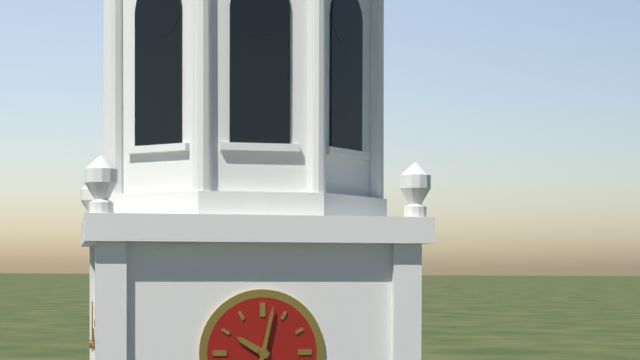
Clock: 10 h 02 min
